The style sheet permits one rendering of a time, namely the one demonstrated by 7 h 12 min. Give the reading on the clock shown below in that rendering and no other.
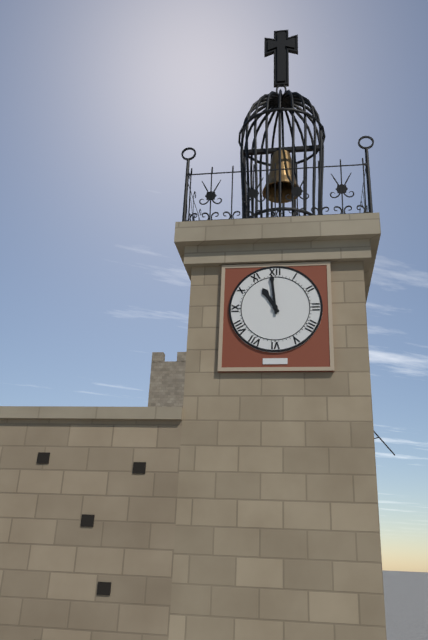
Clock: 10 h 59 min
